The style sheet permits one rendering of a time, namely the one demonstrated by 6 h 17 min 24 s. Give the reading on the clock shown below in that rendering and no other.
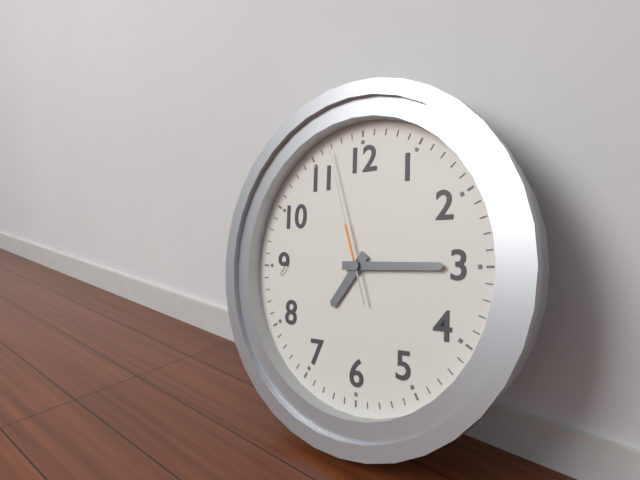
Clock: 7 h 15 min 57 s
